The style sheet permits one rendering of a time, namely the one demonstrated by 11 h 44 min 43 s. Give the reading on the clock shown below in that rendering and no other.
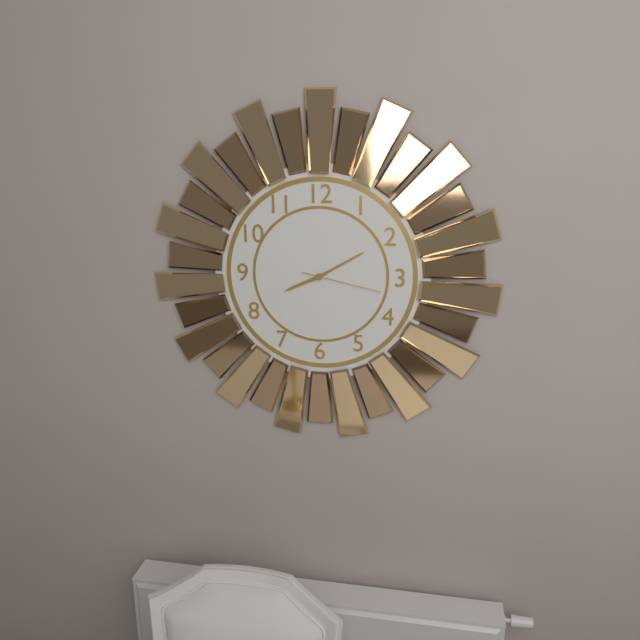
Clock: 8 h 10 min 17 s
